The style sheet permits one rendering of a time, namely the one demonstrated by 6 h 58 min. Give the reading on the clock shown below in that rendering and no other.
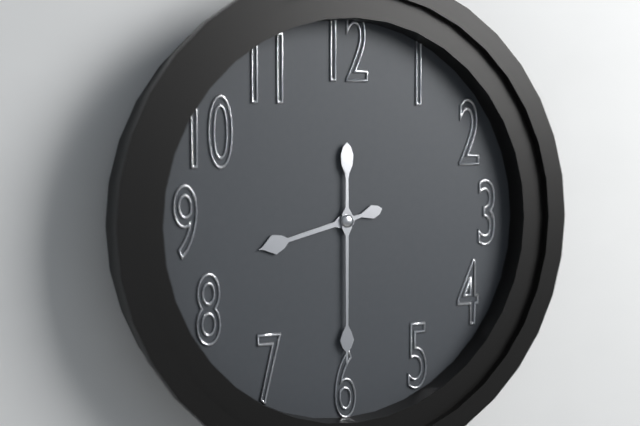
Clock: 8 h 30 min
